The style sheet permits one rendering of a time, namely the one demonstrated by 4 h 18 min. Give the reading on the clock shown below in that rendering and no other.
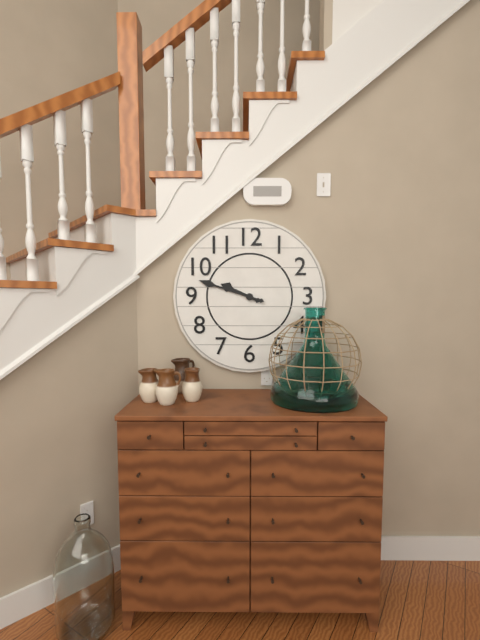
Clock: 9 h 48 min
